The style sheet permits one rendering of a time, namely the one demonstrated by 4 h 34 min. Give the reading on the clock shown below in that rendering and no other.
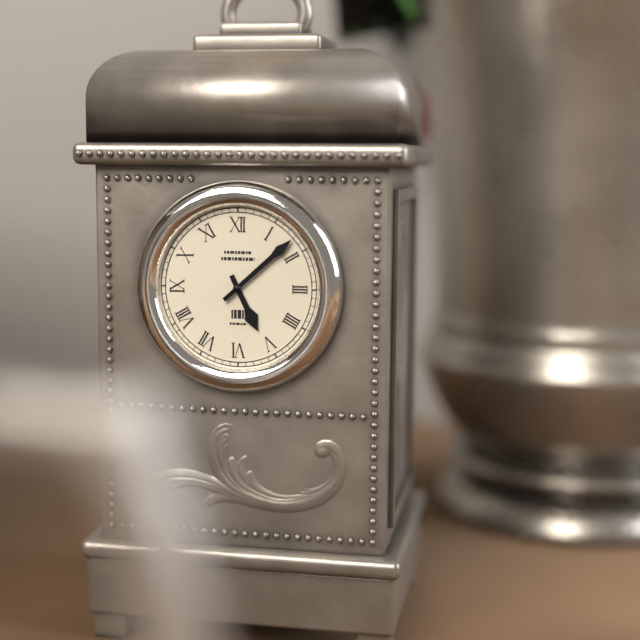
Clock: 5 h 08 min
